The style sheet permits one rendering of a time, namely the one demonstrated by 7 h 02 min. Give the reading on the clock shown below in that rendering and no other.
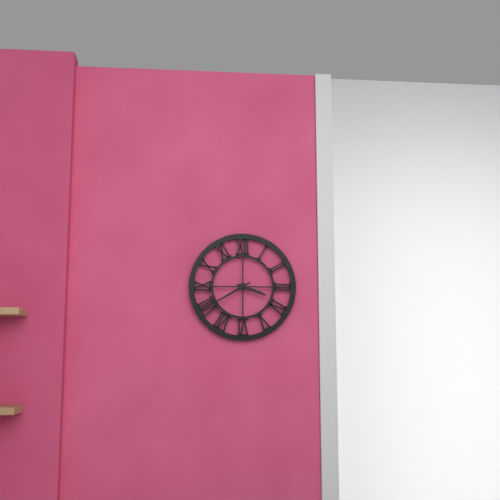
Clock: 3 h 40 min
